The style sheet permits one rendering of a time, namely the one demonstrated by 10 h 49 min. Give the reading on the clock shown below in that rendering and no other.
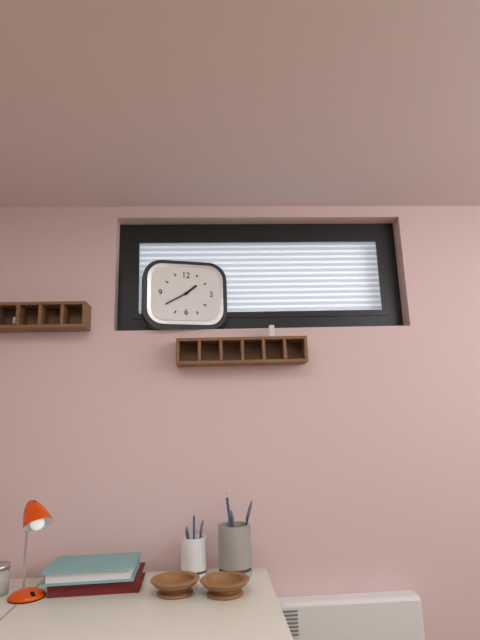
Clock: 1 h 40 min
